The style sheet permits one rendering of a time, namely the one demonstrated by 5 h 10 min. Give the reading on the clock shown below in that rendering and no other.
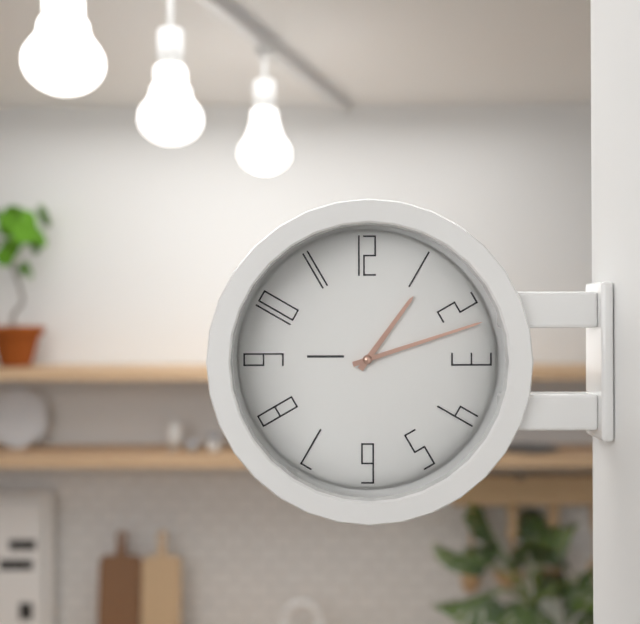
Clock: 1 h 12 min
